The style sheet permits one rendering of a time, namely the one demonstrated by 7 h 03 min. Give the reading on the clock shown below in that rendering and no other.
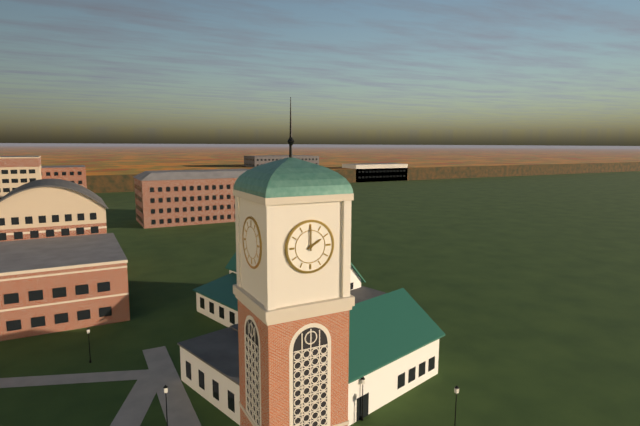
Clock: 2 h 00 min
